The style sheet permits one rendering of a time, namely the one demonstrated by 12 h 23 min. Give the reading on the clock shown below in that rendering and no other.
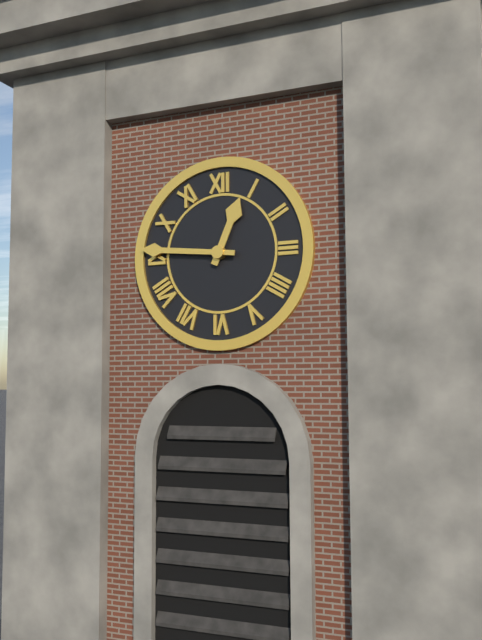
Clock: 12 h 46 min
